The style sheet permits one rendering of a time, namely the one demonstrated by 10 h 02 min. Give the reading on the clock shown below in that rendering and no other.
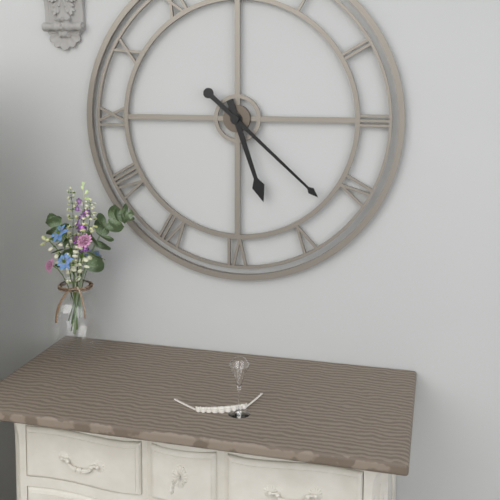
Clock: 5 h 22 min
